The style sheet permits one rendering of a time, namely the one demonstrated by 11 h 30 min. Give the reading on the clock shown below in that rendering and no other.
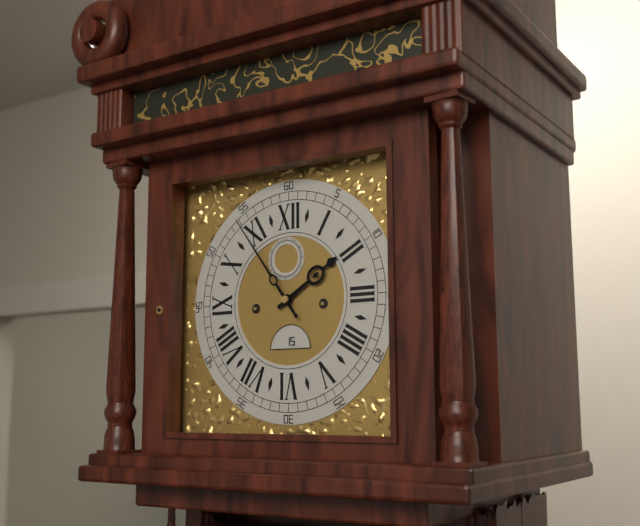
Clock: 1 h 54 min
